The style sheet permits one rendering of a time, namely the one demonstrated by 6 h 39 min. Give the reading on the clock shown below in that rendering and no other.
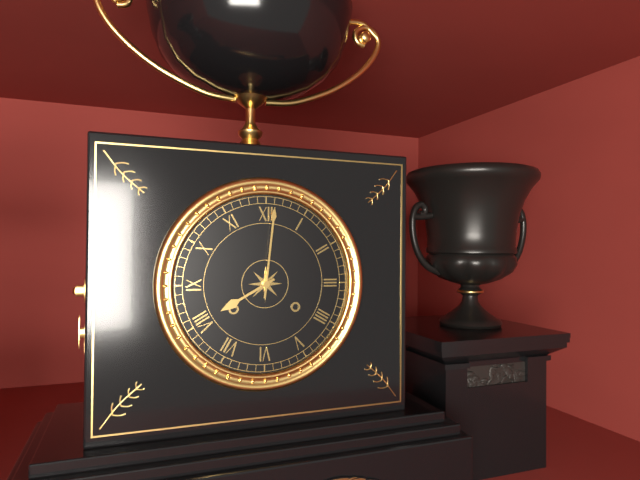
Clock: 8 h 01 min
